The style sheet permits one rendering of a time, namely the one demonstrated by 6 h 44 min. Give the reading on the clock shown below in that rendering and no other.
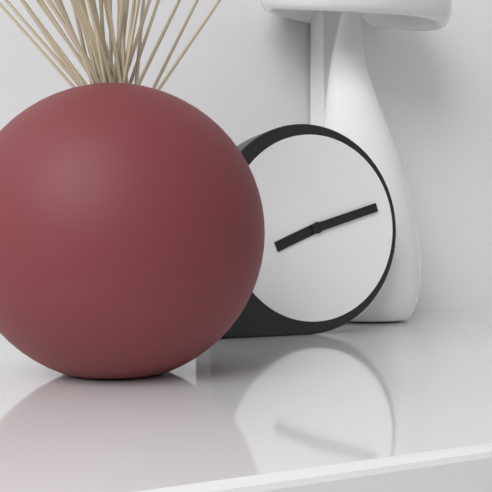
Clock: 8 h 12 min
